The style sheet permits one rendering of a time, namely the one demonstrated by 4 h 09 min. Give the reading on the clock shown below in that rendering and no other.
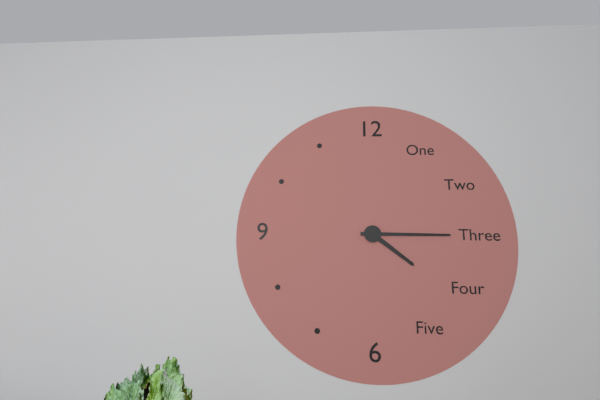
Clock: 4 h 15 min
